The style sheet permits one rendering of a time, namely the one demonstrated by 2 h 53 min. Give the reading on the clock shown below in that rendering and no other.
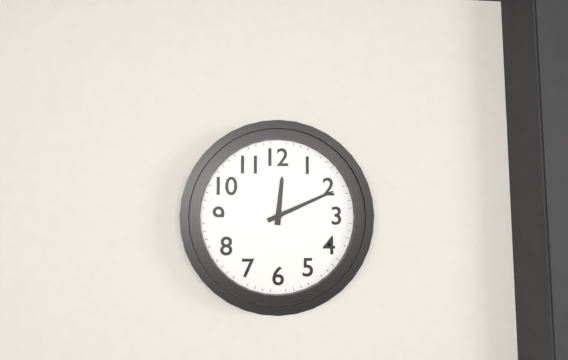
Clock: 12 h 11 min
